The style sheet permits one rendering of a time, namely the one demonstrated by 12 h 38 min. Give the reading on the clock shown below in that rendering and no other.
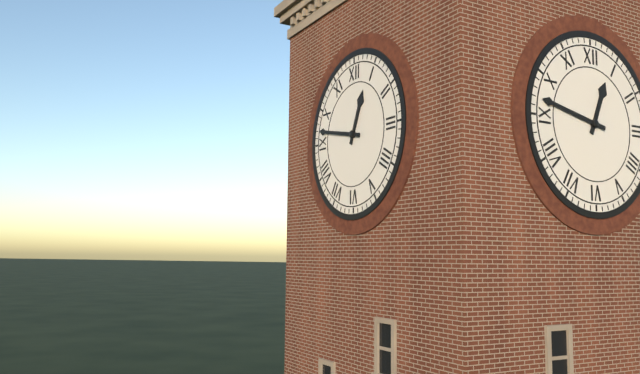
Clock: 12 h 47 min
